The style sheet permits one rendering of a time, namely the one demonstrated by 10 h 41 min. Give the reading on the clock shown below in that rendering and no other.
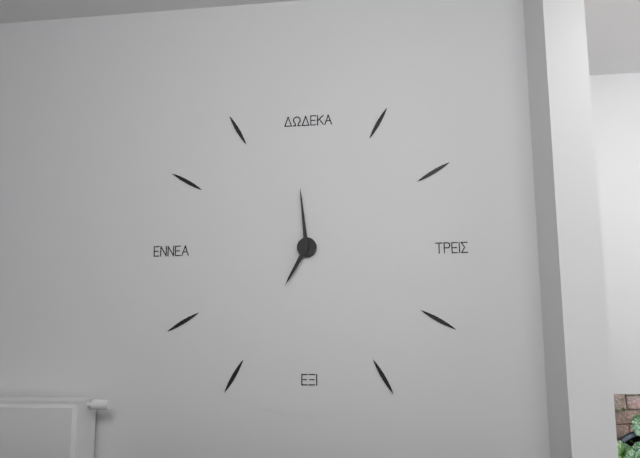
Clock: 6 h 59 min
